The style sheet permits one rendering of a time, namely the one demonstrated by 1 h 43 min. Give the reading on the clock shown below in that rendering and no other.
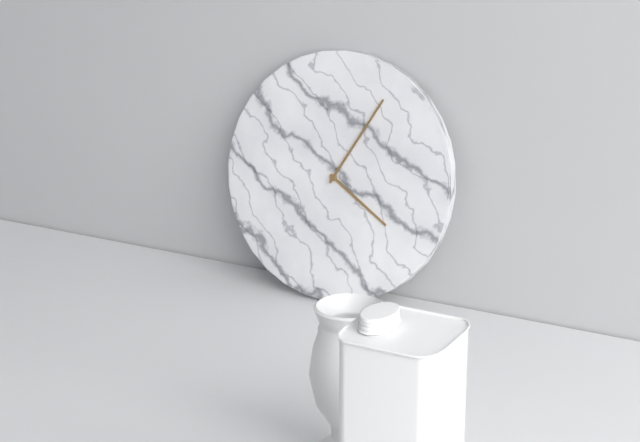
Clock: 4 h 05 min
